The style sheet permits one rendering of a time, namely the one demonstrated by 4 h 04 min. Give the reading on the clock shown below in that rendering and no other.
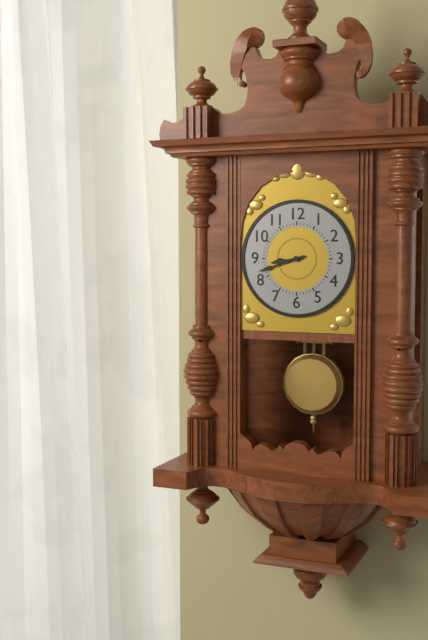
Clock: 8 h 42 min
